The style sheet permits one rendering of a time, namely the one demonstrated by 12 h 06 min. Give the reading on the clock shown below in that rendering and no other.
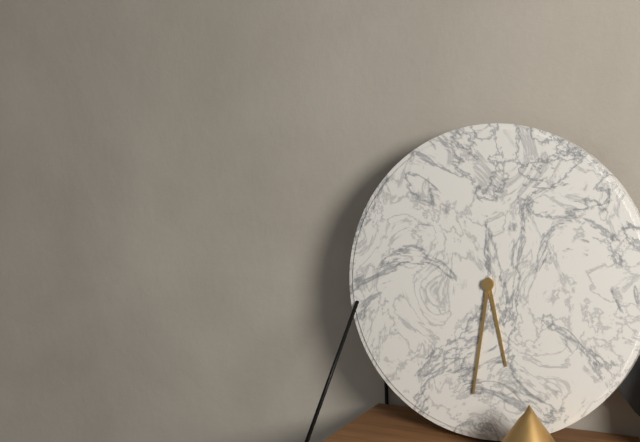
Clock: 5 h 31 min
